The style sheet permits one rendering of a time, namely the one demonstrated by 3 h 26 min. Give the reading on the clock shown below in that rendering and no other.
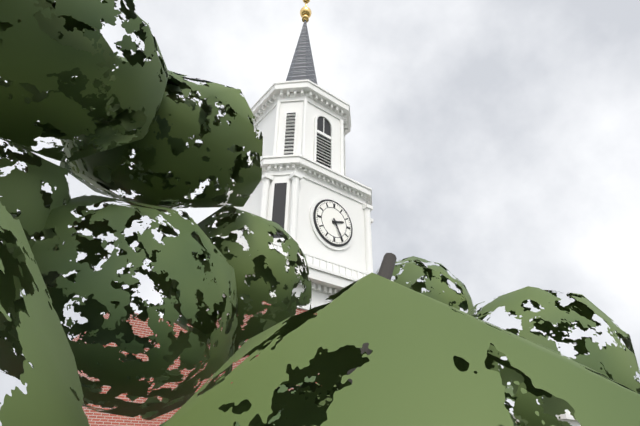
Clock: 2 h 25 min
